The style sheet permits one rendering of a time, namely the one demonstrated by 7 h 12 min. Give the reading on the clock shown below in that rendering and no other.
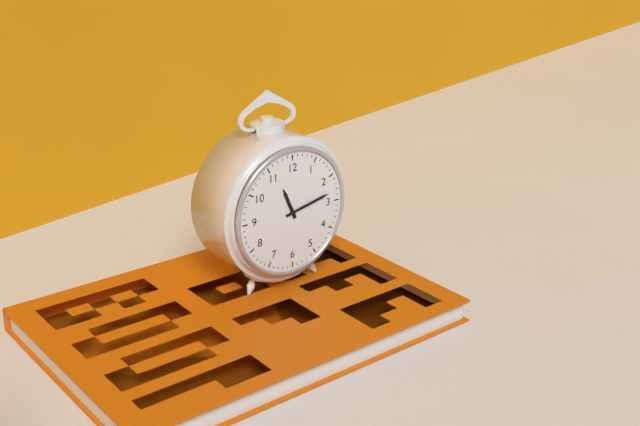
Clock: 11 h 13 min
